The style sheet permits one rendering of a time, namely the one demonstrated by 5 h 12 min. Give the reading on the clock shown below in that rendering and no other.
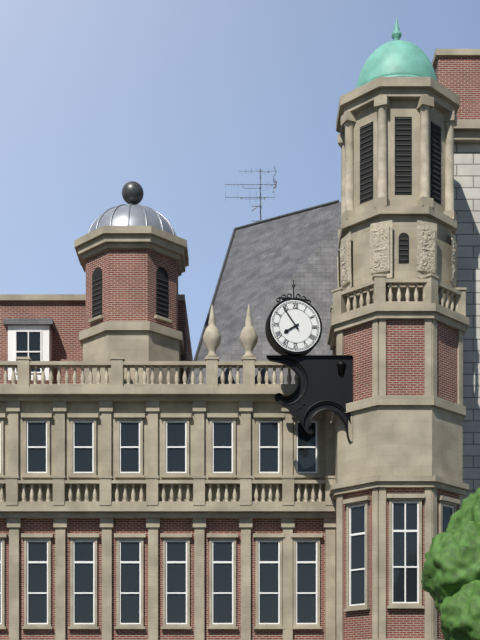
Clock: 7 h 54 min
